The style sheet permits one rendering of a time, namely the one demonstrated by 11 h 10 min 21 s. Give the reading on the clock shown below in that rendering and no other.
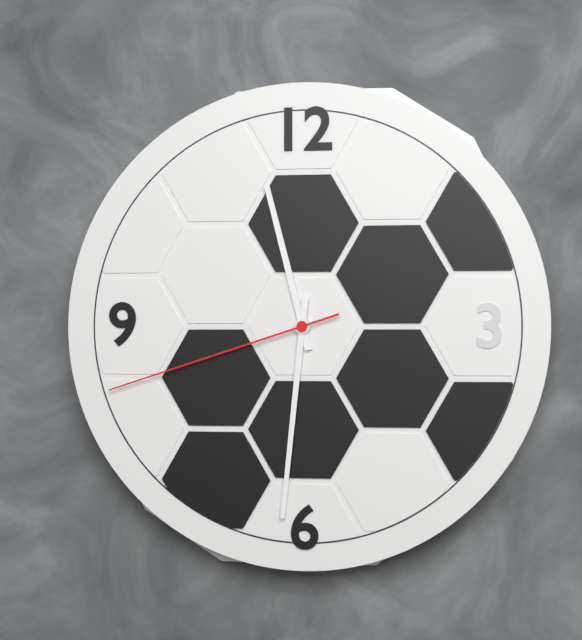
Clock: 11 h 31 min 42 s
